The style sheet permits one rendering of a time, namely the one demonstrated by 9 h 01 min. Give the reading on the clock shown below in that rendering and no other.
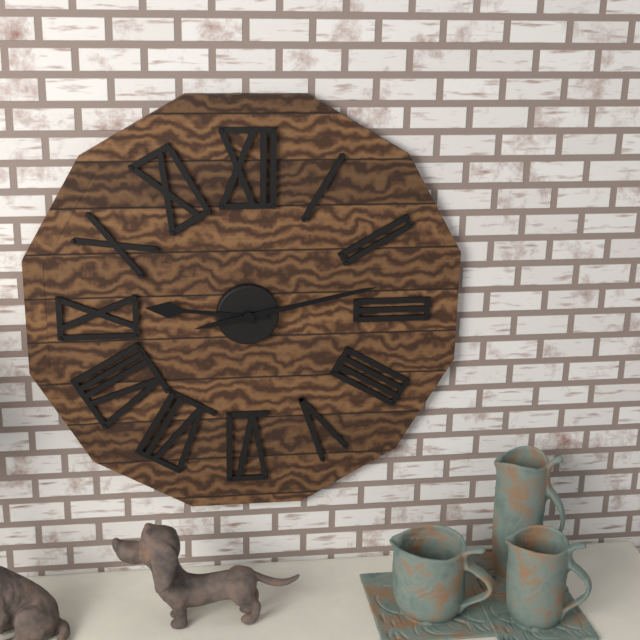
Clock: 9 h 13 min
